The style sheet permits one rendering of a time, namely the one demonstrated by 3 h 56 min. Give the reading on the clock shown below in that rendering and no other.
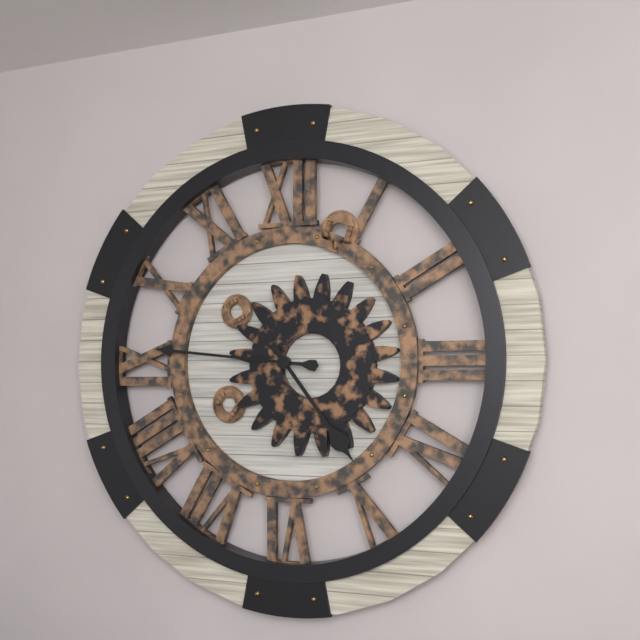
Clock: 4 h 46 min
